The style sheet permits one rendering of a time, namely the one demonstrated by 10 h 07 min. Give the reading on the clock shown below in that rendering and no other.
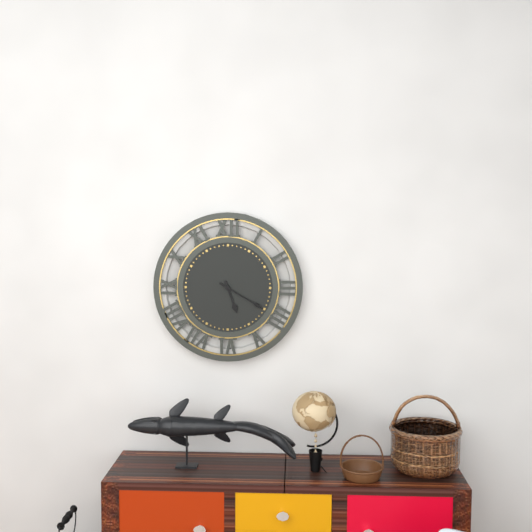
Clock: 5 h 20 min
